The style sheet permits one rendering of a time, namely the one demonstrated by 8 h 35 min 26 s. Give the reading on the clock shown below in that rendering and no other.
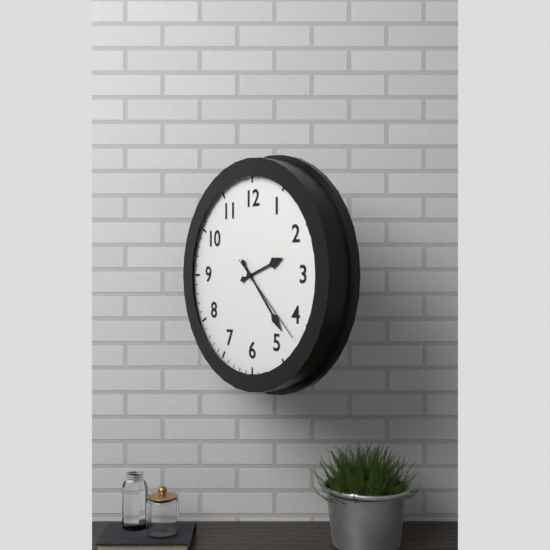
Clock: 2 h 23 min 22 s
